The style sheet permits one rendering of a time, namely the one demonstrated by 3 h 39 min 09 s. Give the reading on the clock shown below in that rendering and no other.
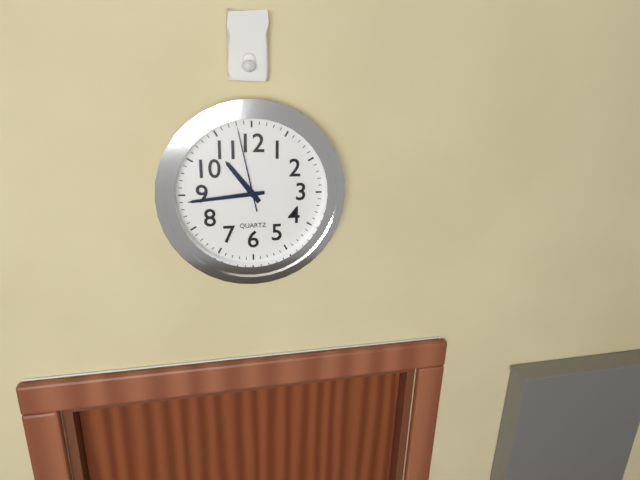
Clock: 10 h 44 min 58 s
